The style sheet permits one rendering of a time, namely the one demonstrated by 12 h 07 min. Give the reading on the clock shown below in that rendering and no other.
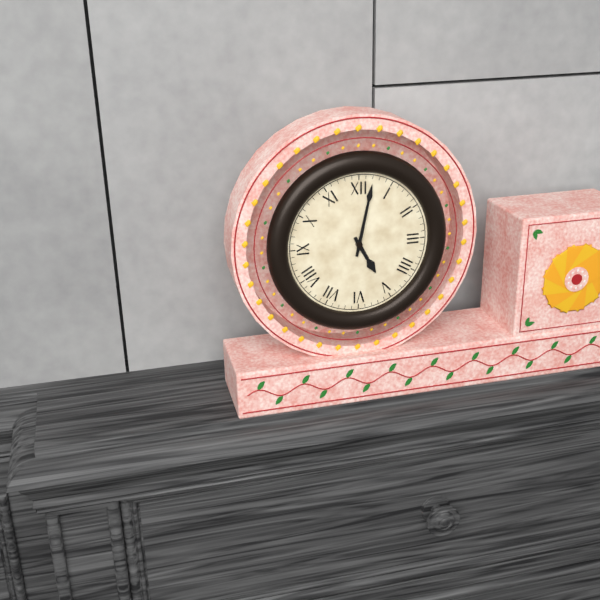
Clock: 5 h 02 min
